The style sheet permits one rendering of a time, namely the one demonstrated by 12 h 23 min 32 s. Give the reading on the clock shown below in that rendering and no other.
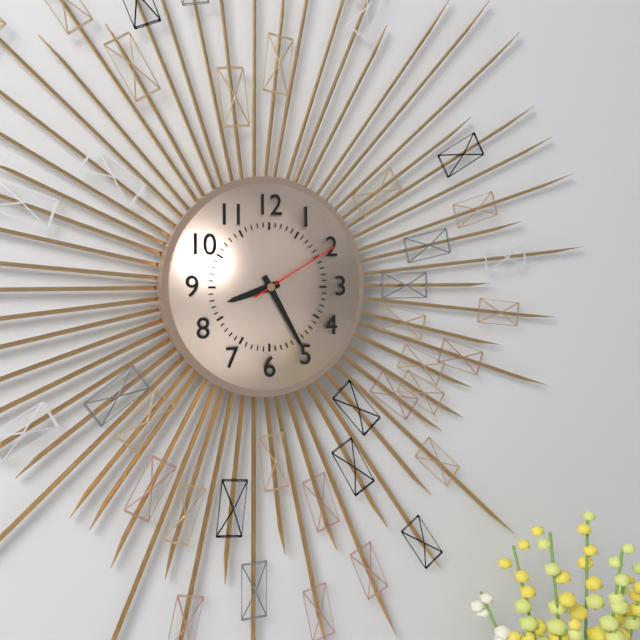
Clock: 8 h 25 min 10 s
